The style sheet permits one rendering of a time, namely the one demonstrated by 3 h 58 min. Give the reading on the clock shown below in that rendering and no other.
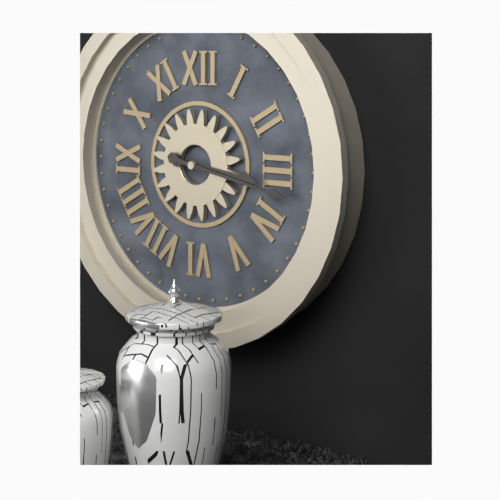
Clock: 3 h 17 min
